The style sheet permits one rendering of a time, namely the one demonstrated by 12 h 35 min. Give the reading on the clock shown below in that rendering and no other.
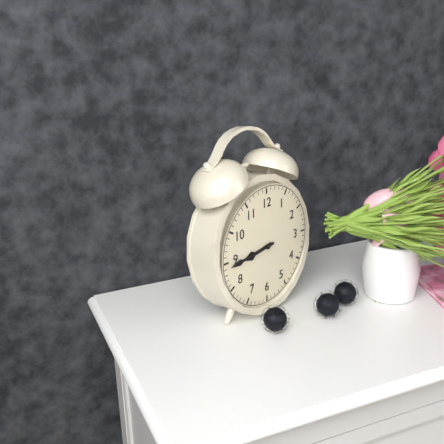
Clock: 8 h 44 min
